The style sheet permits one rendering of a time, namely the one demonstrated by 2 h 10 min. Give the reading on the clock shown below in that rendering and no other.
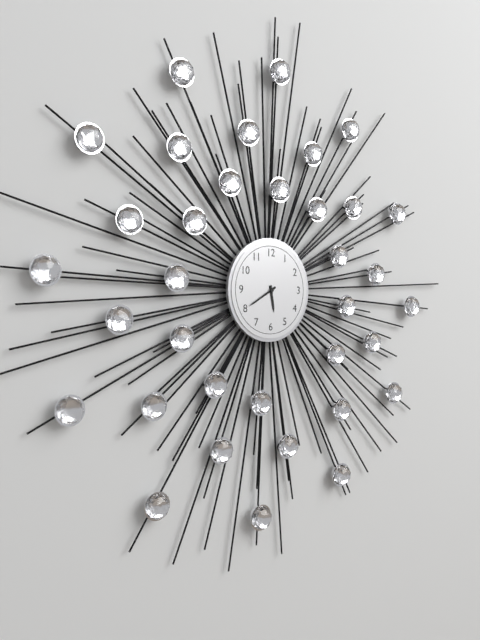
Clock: 5 h 40 min
